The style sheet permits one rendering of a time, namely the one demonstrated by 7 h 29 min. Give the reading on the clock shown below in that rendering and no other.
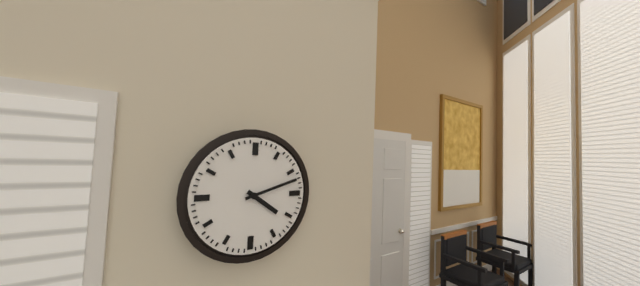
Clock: 4 h 12 min
